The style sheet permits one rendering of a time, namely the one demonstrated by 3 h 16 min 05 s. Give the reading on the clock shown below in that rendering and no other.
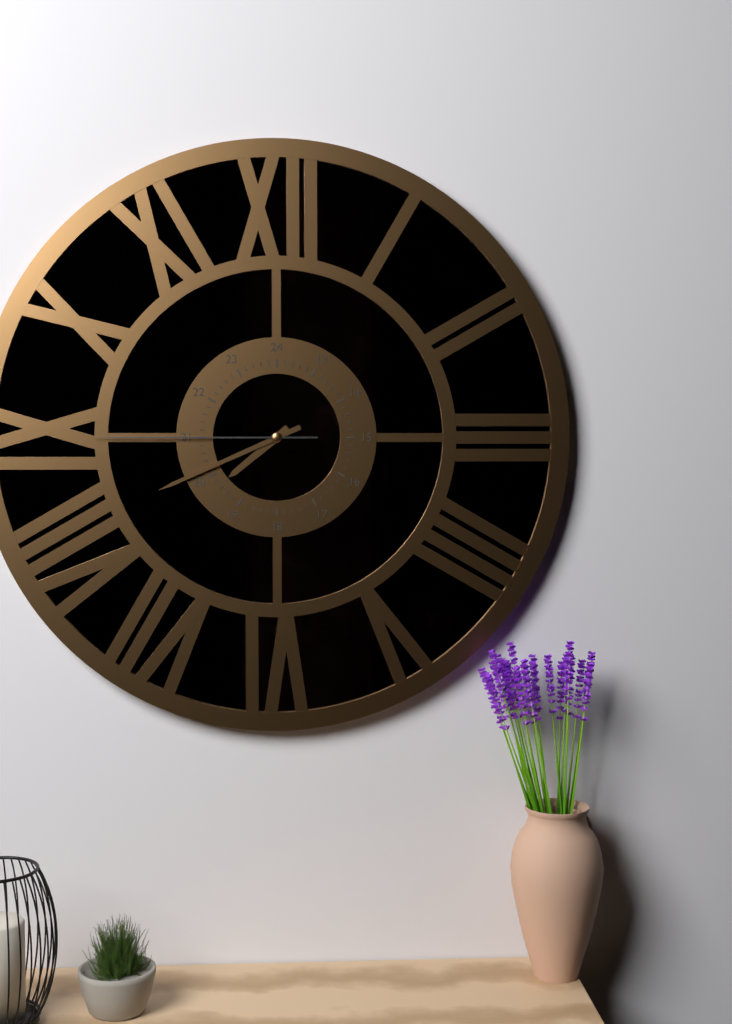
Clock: 7 h 41 min 45 s
